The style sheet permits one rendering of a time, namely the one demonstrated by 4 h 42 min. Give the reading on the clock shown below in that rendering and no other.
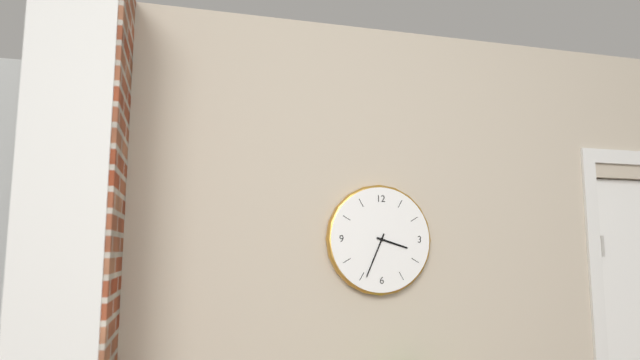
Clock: 3 h 34 min
